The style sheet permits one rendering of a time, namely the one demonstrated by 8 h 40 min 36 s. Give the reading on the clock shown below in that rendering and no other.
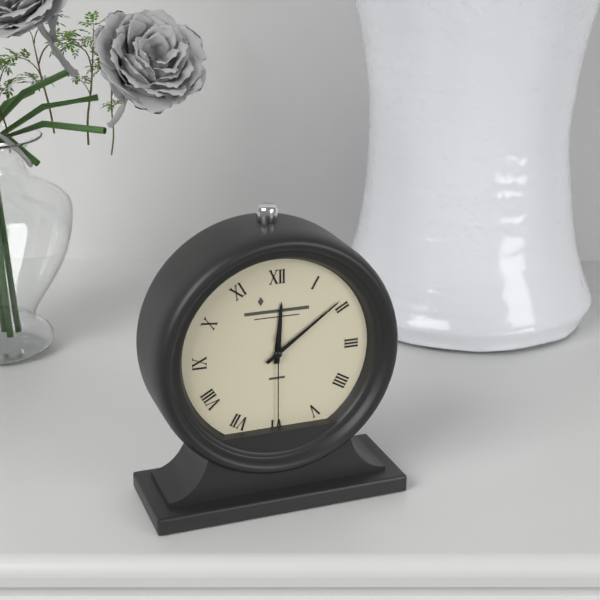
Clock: 12 h 09 min 30 s
